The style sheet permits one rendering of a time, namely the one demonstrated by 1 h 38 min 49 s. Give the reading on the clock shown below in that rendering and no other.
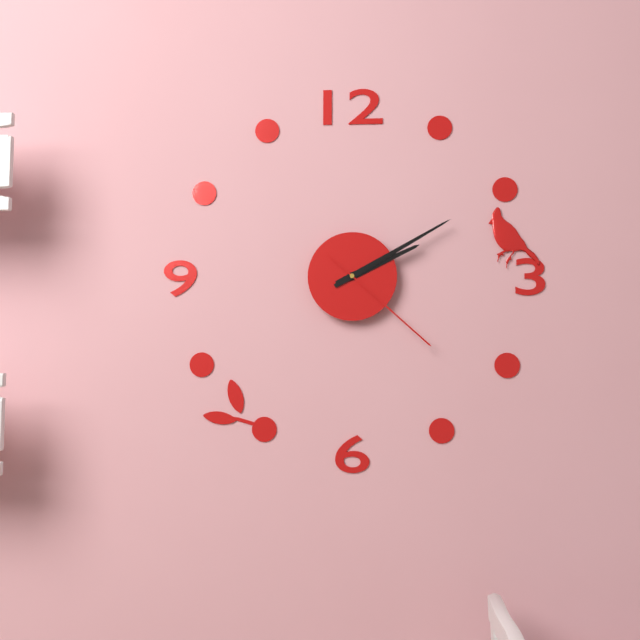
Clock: 2 h 10 min 22 s
